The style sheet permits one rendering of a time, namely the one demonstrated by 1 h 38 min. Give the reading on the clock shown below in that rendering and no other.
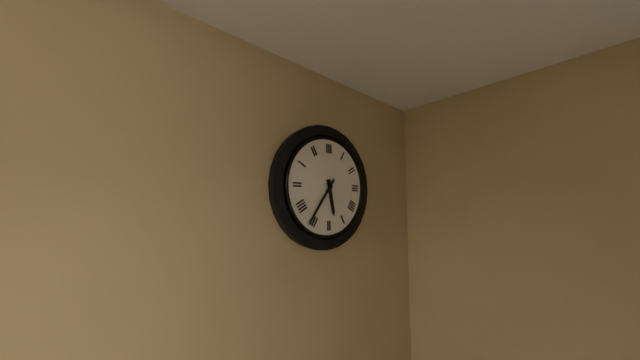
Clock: 5 h 36 min
